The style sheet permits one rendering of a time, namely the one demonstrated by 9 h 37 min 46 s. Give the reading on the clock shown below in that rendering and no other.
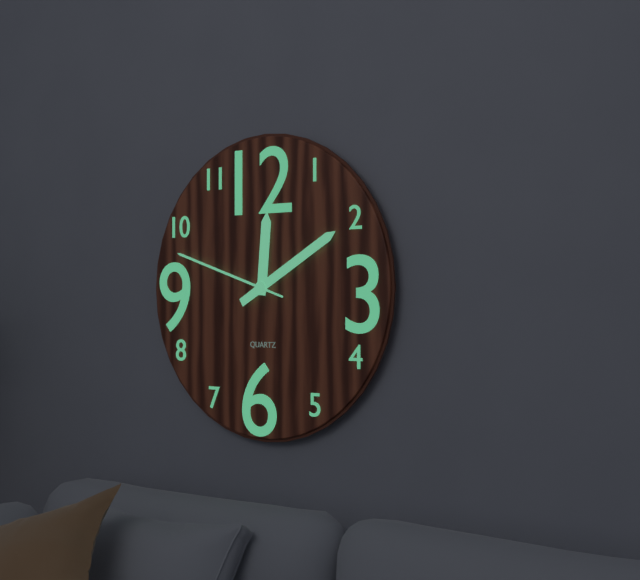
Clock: 12 h 10 min 48 s
